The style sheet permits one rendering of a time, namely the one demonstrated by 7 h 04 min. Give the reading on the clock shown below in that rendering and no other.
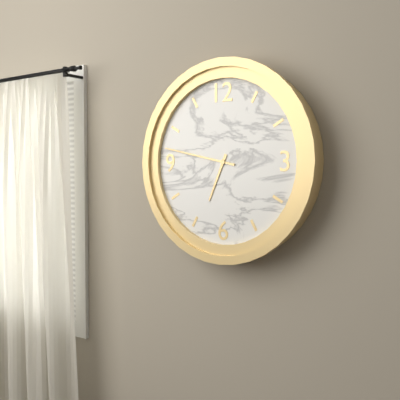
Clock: 6 h 47 min
